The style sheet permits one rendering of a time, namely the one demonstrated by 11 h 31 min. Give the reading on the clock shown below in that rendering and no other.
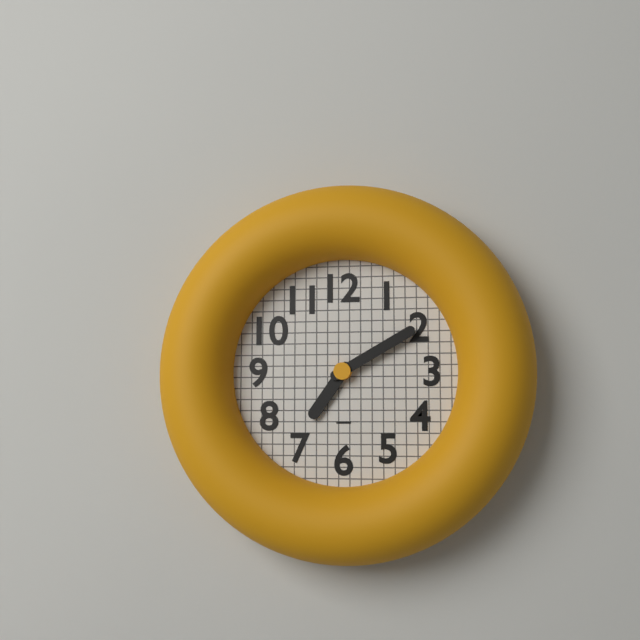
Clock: 7 h 10 min
